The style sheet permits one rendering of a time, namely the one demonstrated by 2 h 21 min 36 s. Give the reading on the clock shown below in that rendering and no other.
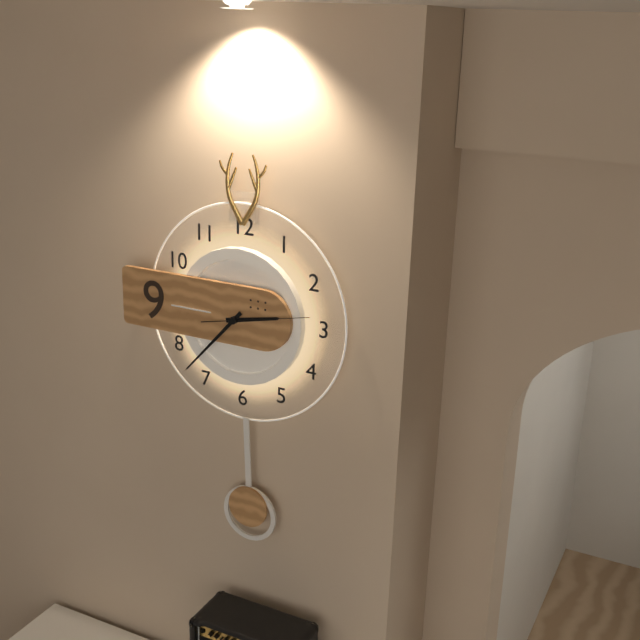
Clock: 2 h 37 min 13 s
